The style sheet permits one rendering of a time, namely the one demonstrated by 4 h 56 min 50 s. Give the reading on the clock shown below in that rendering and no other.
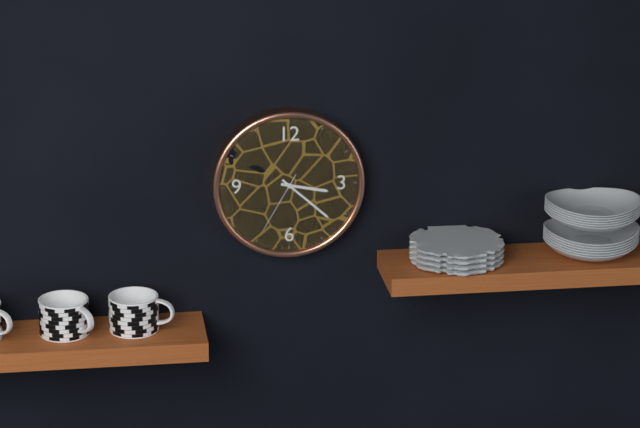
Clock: 3 h 22 min 35 s
